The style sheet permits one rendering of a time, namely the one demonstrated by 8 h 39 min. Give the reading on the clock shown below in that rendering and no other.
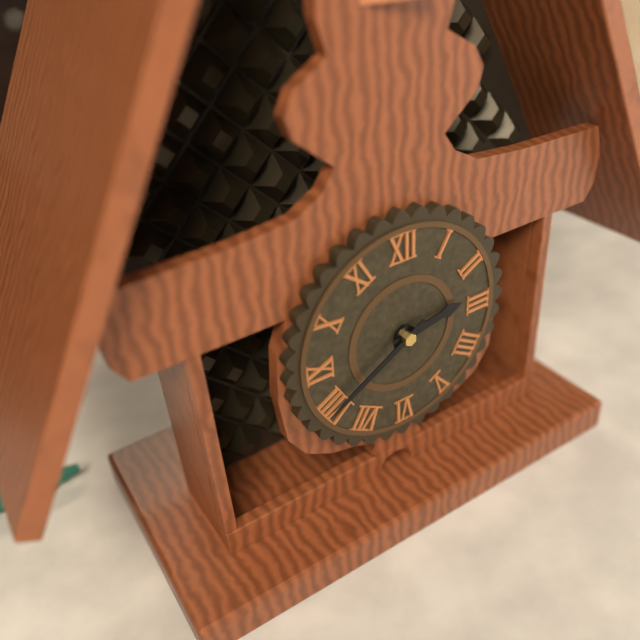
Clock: 2 h 40 min
